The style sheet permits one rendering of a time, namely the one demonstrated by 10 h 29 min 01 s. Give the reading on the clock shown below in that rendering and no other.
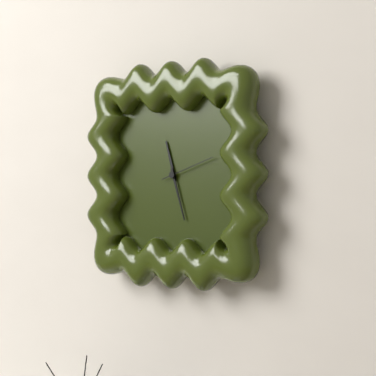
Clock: 11 h 27 min 12 s
